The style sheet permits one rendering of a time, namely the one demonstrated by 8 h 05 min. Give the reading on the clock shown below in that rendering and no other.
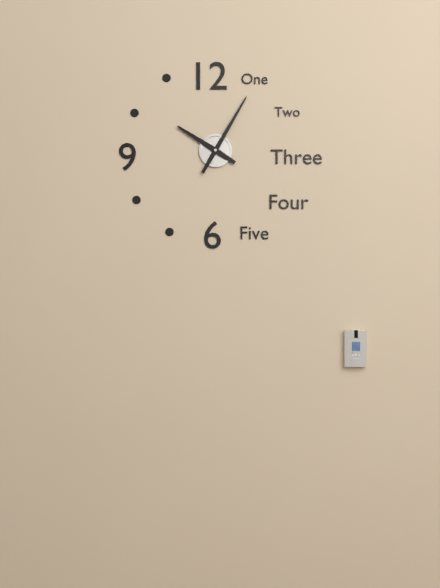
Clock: 10 h 05 min
